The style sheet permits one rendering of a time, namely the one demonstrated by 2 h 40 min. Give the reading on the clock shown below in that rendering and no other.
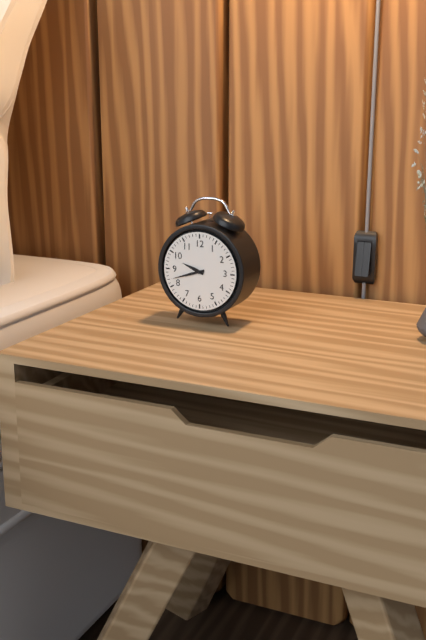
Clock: 9 h 42 min
